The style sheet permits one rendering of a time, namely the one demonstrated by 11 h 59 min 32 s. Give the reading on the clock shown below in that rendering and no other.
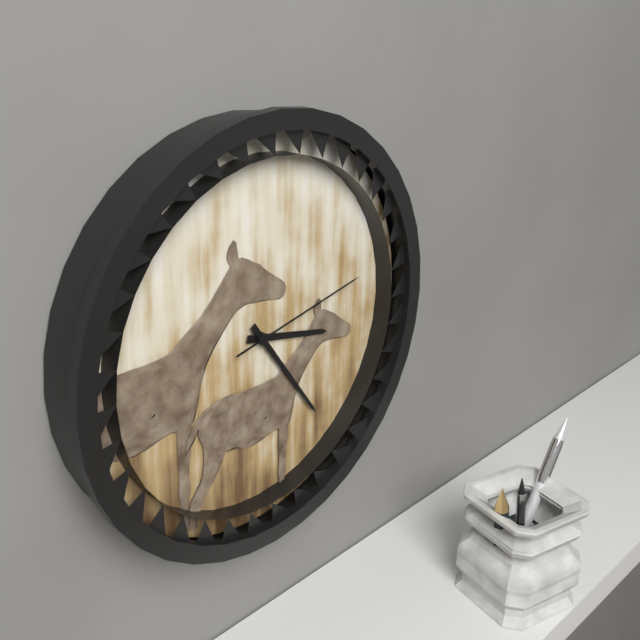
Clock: 3 h 24 min 13 s
